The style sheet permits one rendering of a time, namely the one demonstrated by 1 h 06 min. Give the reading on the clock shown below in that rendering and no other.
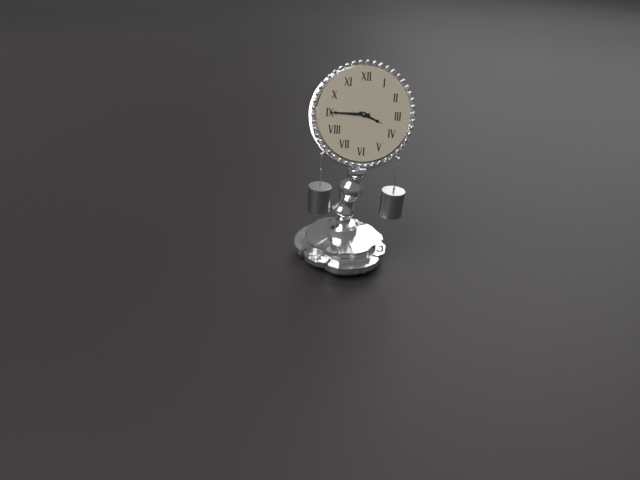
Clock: 3 h 45 min
